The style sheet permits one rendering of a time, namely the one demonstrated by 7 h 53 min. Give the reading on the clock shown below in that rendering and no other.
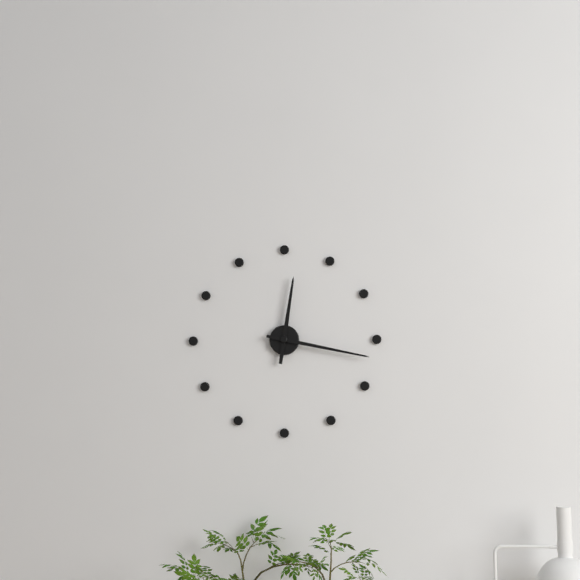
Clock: 12 h 17 min
